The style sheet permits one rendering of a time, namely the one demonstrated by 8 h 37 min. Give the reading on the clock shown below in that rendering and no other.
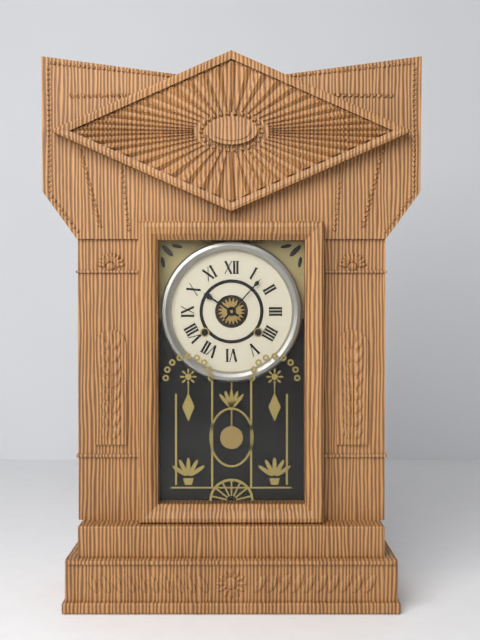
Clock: 10 h 07 min
